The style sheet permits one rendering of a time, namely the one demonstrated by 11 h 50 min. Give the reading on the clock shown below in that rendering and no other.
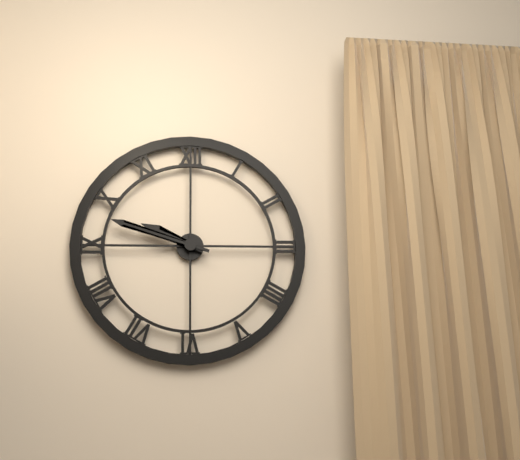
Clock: 9 h 48 min
